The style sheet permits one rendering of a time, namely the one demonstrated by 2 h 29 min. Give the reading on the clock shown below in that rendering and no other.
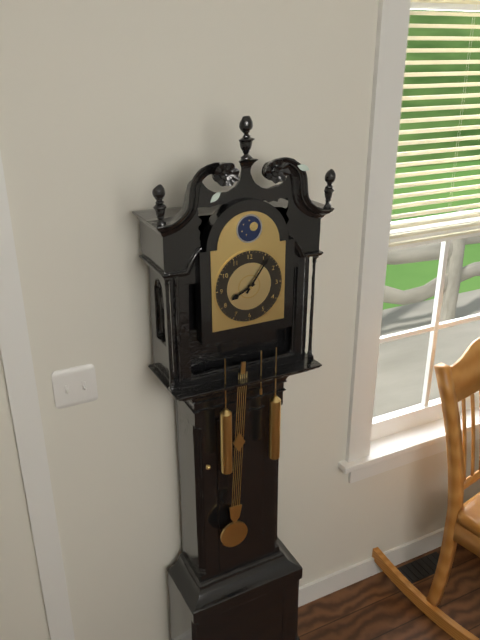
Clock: 8 h 06 min
